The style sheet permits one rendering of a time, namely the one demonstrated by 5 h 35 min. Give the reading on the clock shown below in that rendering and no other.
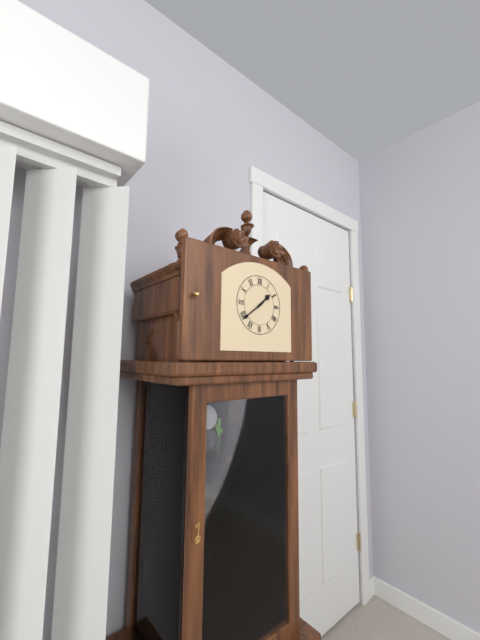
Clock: 1 h 39 min
